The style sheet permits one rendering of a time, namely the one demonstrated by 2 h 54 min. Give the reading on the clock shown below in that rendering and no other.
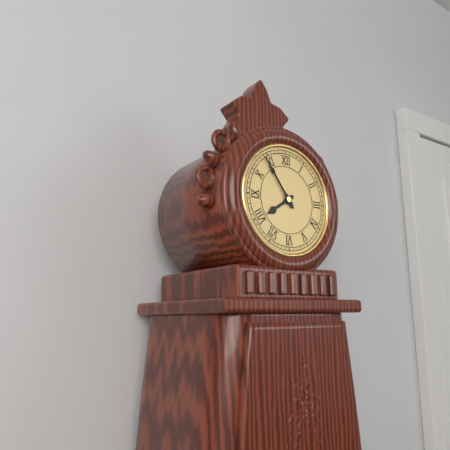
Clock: 7 h 54 min
